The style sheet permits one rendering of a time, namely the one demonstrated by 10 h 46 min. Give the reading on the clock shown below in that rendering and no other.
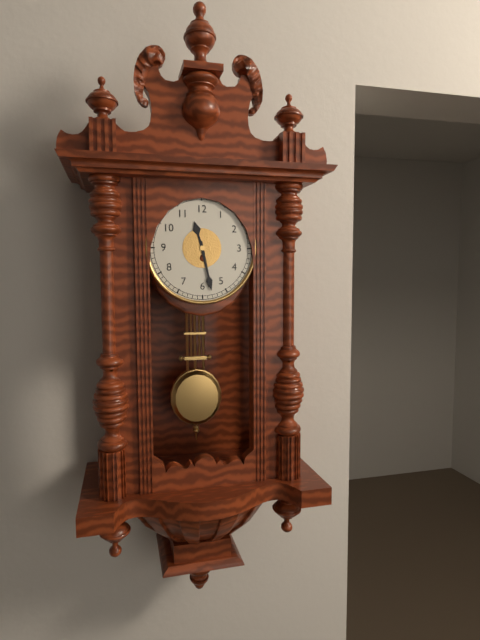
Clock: 11 h 28 min
